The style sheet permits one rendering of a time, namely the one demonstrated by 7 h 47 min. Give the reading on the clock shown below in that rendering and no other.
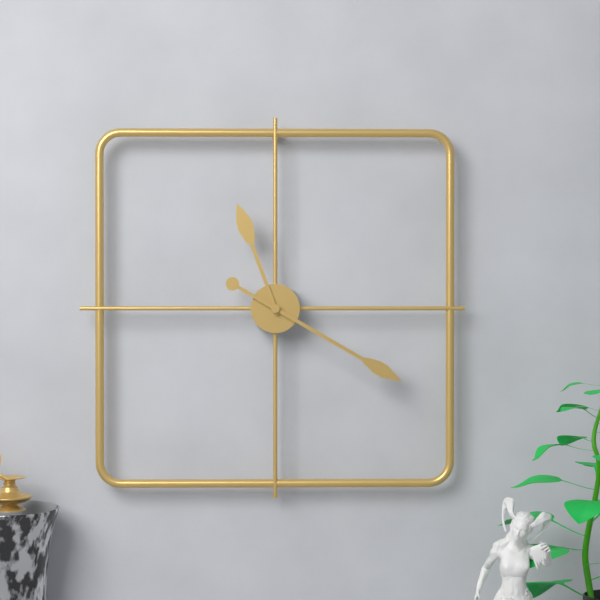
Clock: 11 h 20 min
